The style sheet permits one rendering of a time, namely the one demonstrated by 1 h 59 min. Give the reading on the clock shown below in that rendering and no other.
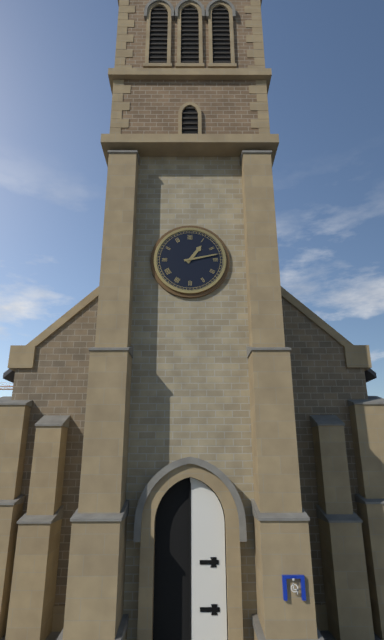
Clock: 1 h 13 min
